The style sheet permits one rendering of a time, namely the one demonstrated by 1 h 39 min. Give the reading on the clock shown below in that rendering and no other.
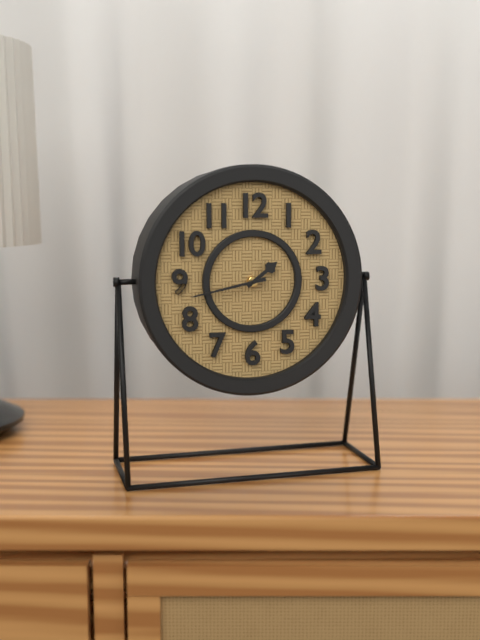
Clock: 1 h 43 min
